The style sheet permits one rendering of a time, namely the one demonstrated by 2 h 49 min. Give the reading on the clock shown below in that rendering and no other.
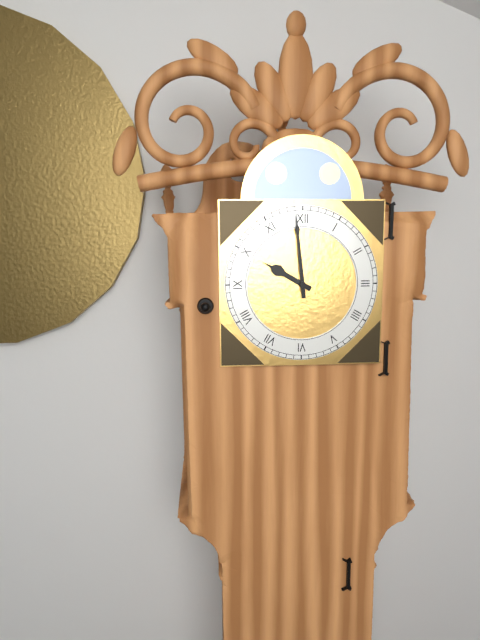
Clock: 9 h 59 min
